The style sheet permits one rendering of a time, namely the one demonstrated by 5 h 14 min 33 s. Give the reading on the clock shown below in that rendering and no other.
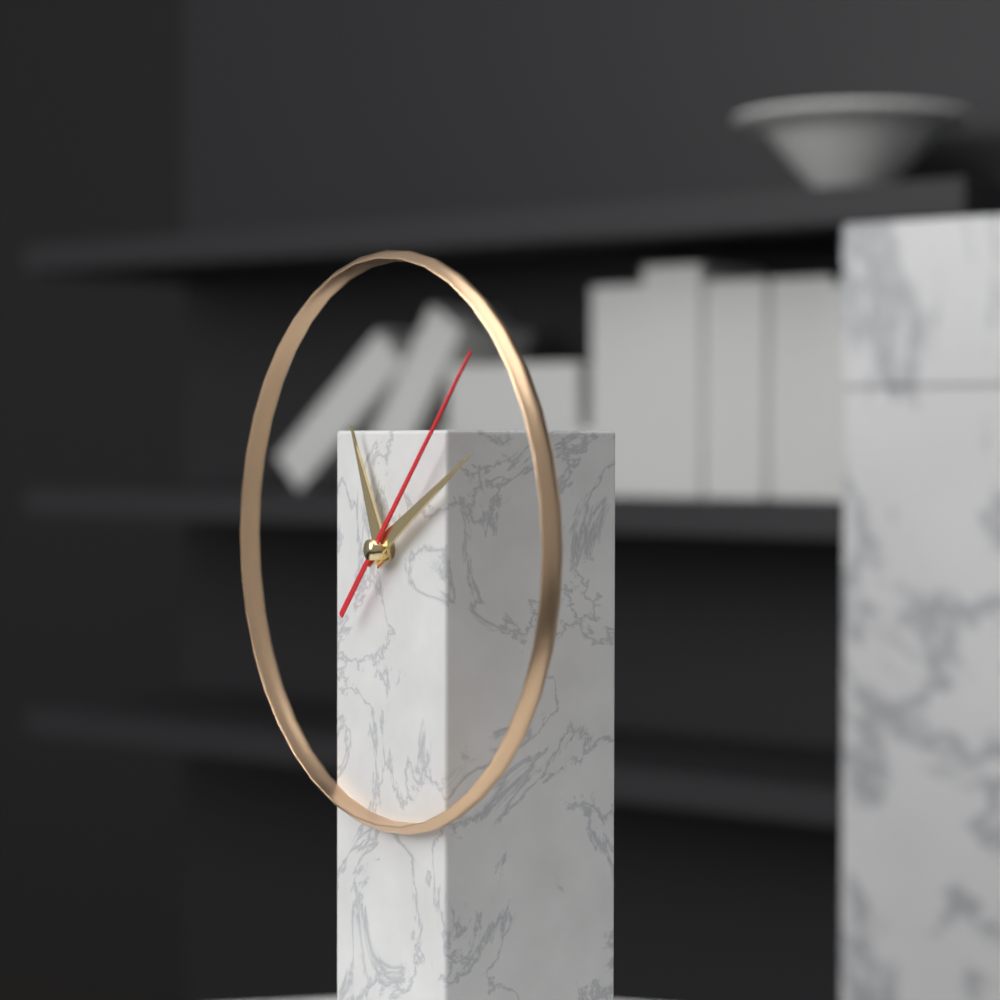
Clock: 11 h 10 min 07 s
